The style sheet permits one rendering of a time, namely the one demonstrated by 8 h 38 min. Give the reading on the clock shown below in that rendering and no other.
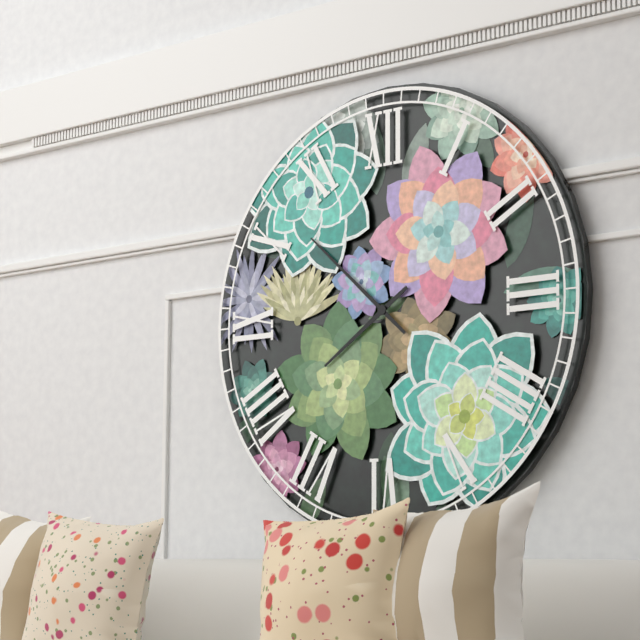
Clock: 7 h 52 min
